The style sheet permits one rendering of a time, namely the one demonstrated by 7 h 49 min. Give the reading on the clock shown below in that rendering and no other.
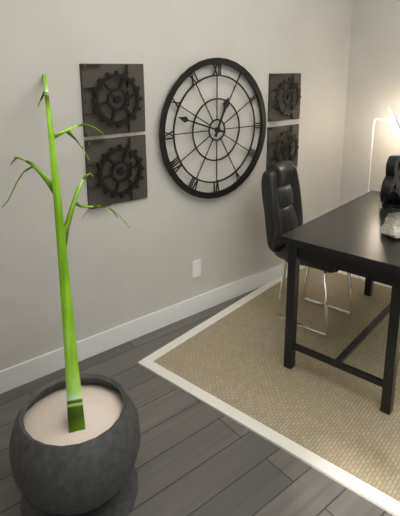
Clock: 12 h 48 min
